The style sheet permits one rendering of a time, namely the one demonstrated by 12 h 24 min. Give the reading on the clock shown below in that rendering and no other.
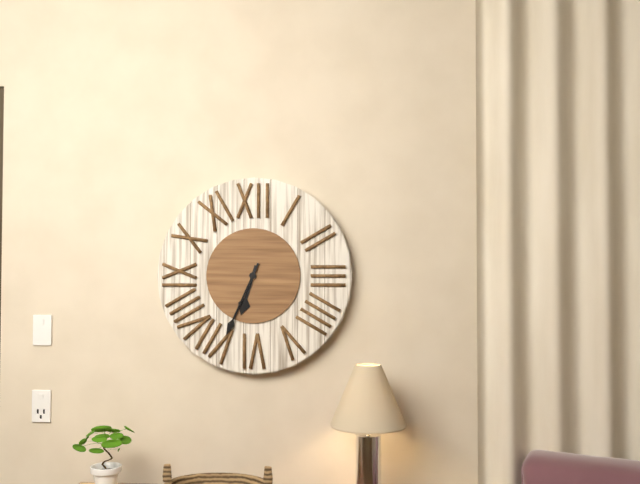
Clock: 6 h 34 min
